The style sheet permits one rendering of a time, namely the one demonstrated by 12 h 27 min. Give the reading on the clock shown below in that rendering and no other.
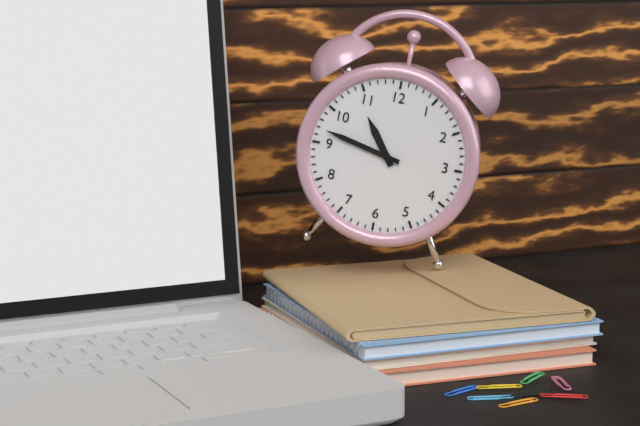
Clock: 10 h 47 min
